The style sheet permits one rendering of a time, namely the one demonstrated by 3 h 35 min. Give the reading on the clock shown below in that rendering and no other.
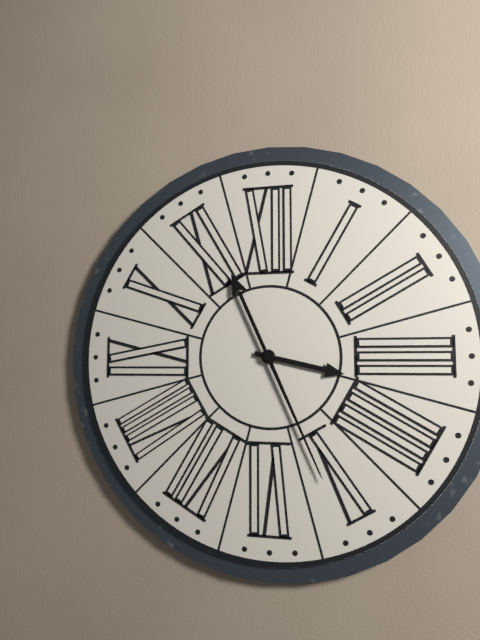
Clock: 3 h 26 min
